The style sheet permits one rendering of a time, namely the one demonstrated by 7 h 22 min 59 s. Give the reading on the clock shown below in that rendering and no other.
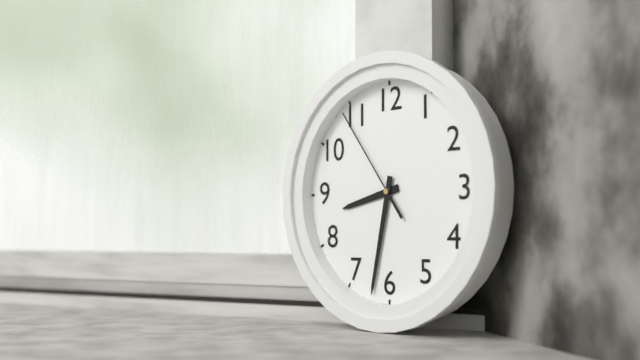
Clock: 8 h 32 min 54 s
